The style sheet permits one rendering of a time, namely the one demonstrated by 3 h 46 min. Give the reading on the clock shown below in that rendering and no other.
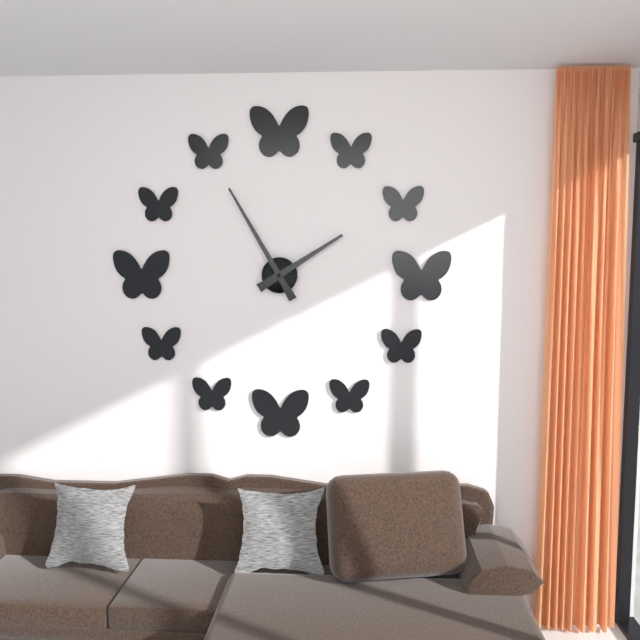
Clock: 1 h 55 min
